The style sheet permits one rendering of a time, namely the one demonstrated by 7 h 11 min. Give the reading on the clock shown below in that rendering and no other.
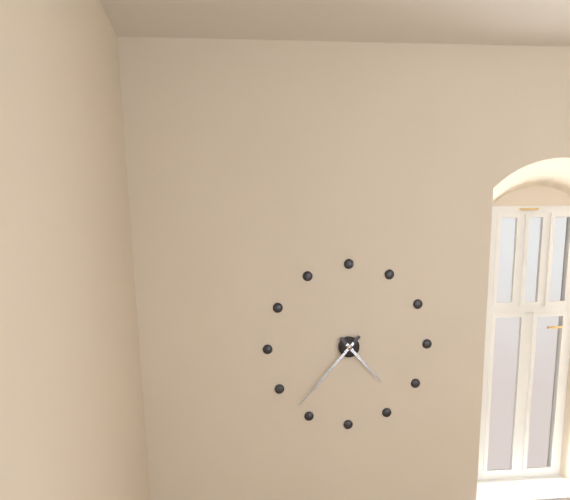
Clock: 4 h 37 min
